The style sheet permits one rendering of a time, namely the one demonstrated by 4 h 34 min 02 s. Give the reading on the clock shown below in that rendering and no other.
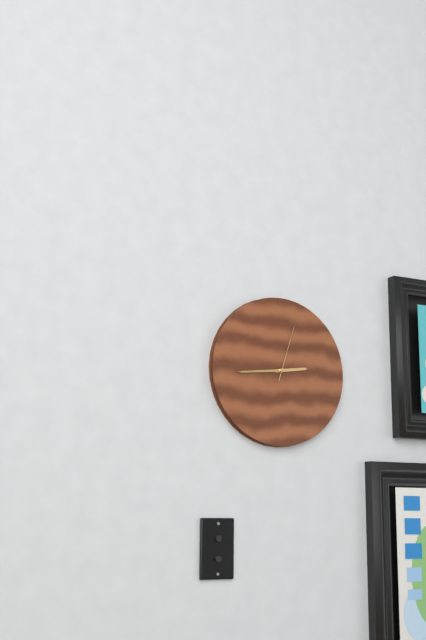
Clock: 2 h 44 min 03 s
